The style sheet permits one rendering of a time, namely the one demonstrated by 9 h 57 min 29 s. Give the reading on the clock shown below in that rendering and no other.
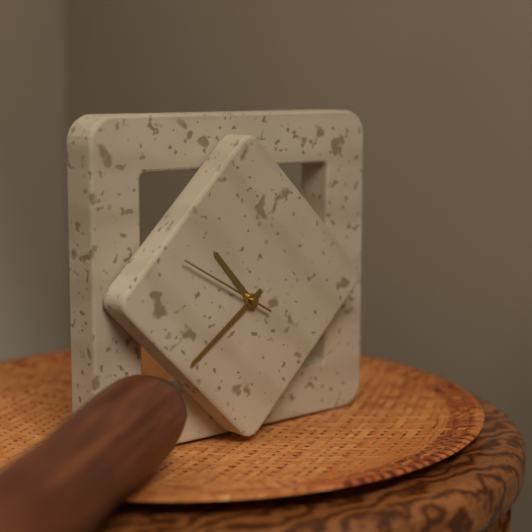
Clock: 10 h 39 min 50 s
